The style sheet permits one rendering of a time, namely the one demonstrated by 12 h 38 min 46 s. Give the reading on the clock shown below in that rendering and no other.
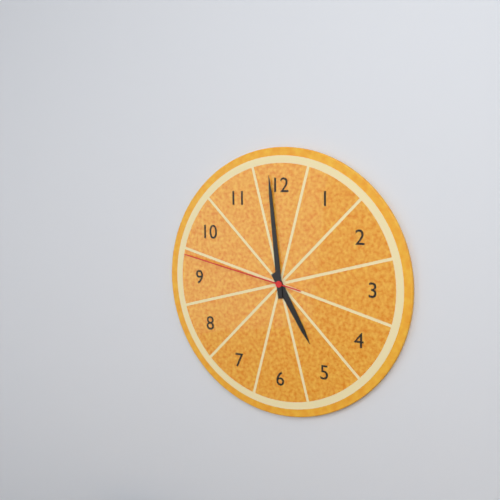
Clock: 4 h 59 min 47 s
